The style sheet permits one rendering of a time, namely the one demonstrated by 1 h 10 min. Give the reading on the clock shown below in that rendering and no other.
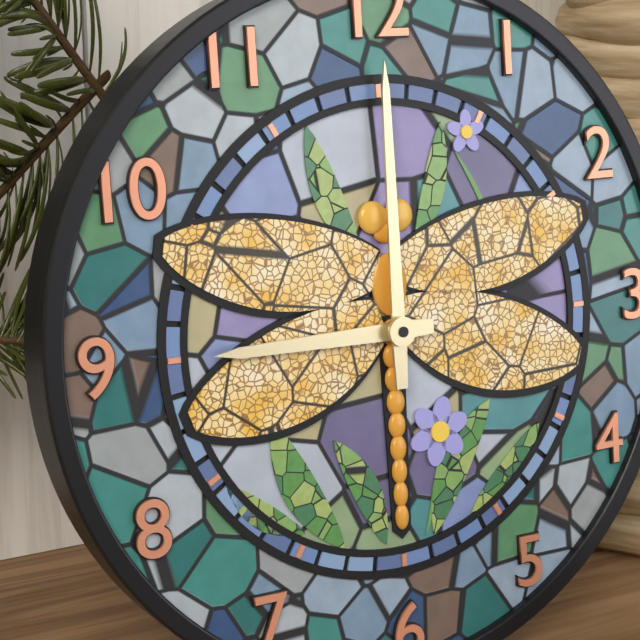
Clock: 9 h 00 min
